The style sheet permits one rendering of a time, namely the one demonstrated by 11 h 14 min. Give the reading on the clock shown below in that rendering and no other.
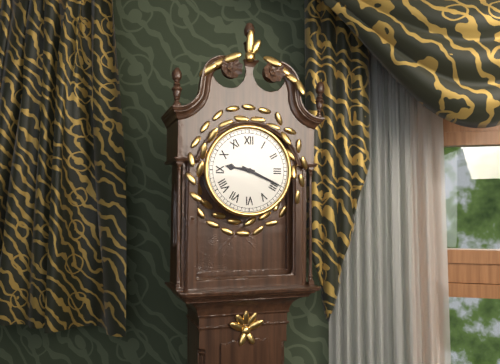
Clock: 9 h 19 min
